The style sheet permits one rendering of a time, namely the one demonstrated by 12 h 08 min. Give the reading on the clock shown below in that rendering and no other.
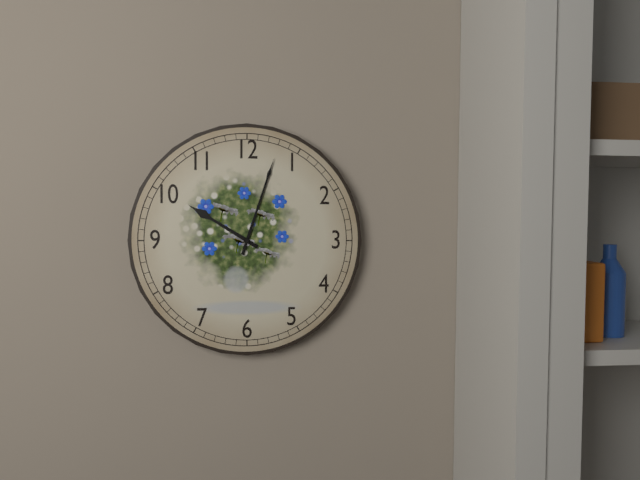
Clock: 10 h 03 min
